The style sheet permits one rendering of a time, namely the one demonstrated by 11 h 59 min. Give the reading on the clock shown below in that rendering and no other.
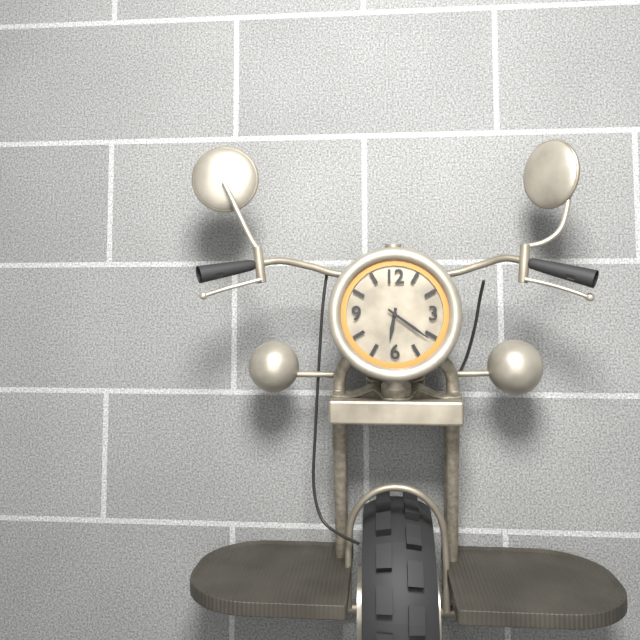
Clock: 6 h 21 min
